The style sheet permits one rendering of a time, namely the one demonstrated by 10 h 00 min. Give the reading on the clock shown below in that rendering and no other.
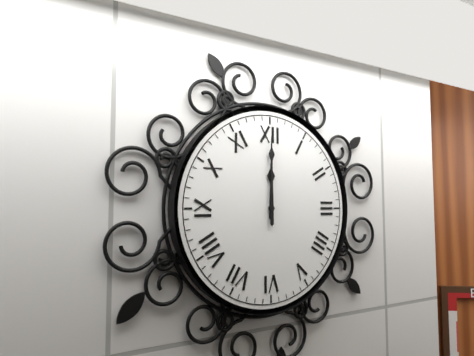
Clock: 12 h 00 min
